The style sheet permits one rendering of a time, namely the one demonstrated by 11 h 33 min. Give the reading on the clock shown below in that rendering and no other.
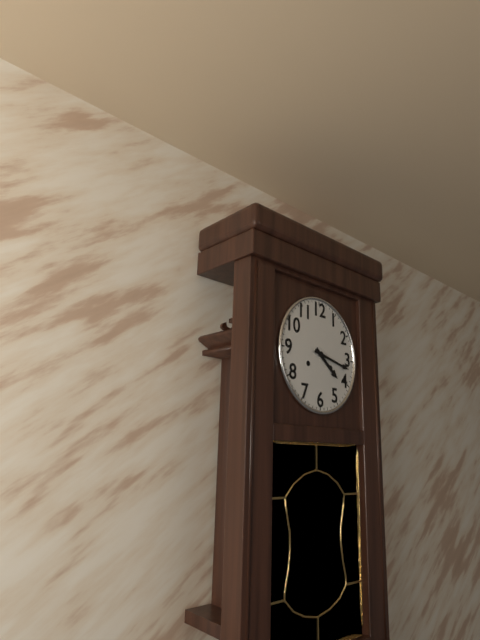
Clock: 4 h 17 min
